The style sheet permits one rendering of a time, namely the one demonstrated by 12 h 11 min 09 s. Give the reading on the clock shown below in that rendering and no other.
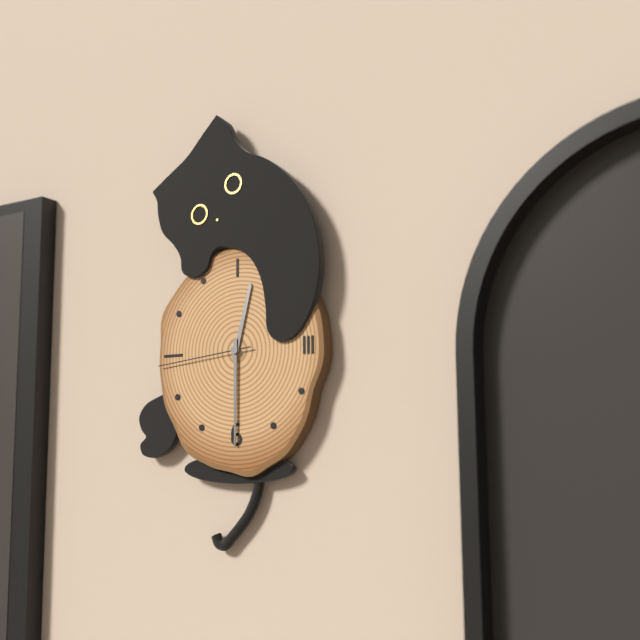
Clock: 12 h 30 min 44 s
